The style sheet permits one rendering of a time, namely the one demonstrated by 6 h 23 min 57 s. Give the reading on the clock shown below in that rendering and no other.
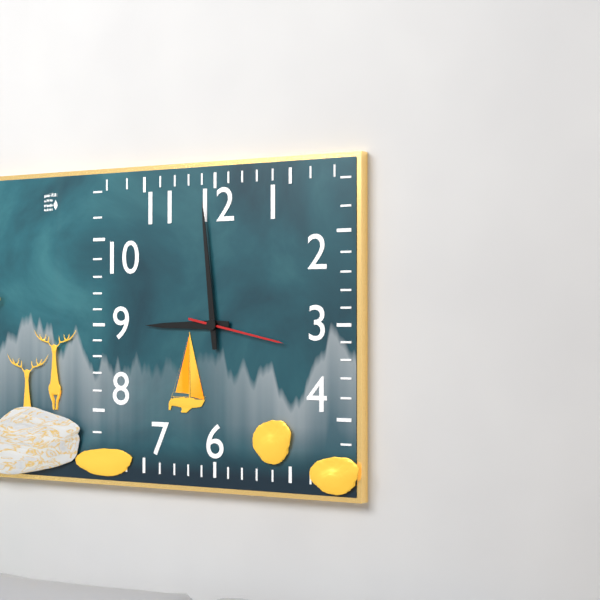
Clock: 8 h 59 min 17 s
